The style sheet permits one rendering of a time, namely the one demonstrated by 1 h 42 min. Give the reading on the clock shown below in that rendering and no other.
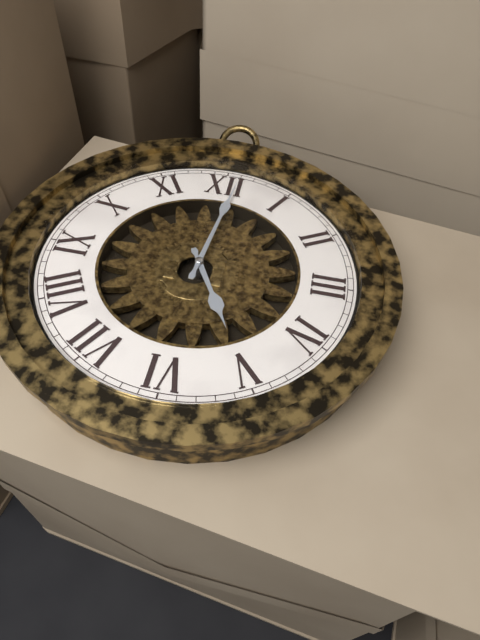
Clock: 5 h 01 min
